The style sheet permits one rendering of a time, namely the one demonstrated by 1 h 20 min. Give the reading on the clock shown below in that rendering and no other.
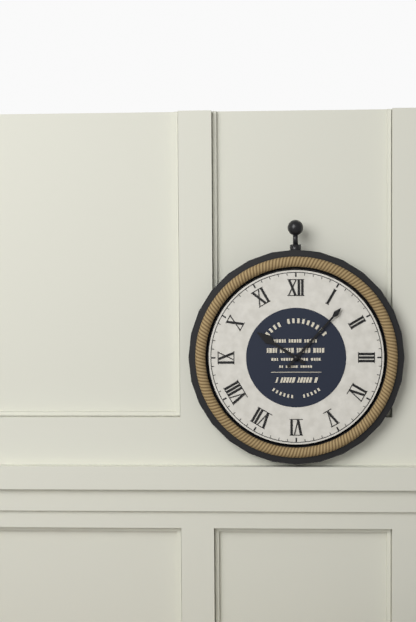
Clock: 10 h 07 min
